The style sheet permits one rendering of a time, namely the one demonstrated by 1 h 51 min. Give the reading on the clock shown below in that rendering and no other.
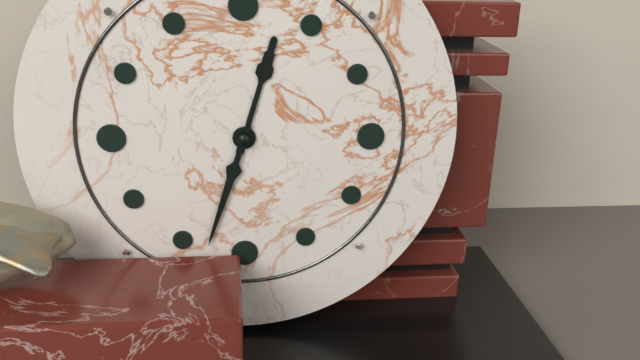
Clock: 12 h 33 min
